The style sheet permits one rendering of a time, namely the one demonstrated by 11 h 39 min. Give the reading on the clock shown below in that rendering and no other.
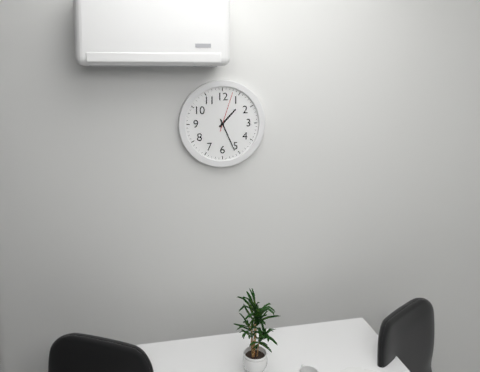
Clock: 1 h 26 min
